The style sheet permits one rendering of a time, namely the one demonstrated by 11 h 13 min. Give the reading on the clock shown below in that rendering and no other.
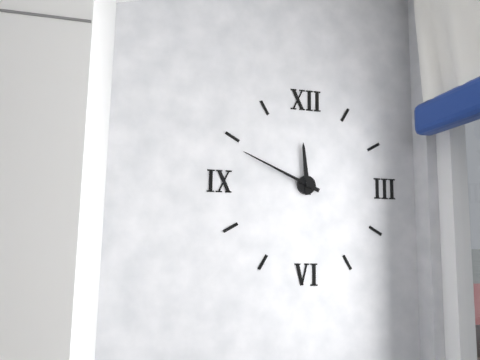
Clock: 11 h 49 min
